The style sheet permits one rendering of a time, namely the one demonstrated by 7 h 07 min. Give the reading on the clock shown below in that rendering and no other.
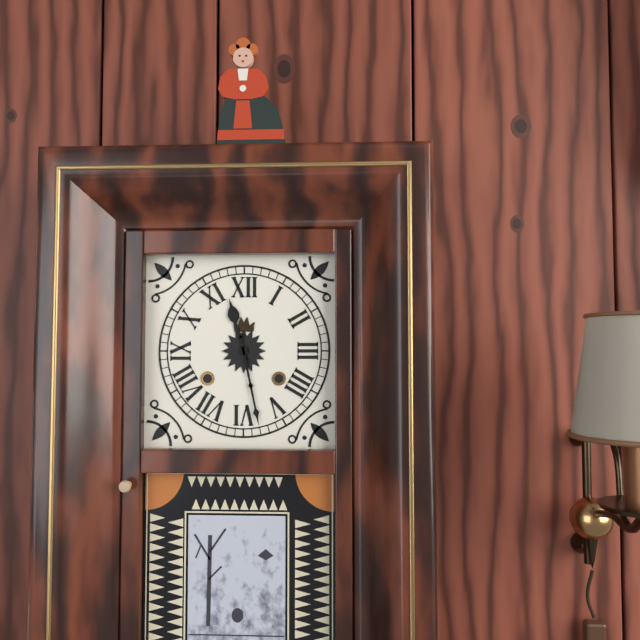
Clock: 11 h 28 min
